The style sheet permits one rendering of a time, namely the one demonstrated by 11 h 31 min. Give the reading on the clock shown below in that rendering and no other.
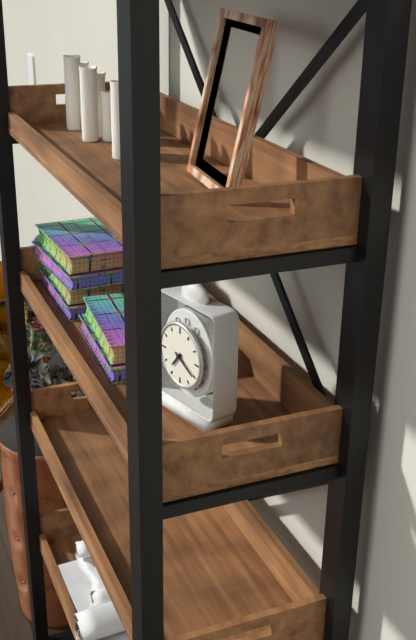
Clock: 7 h 20 min
